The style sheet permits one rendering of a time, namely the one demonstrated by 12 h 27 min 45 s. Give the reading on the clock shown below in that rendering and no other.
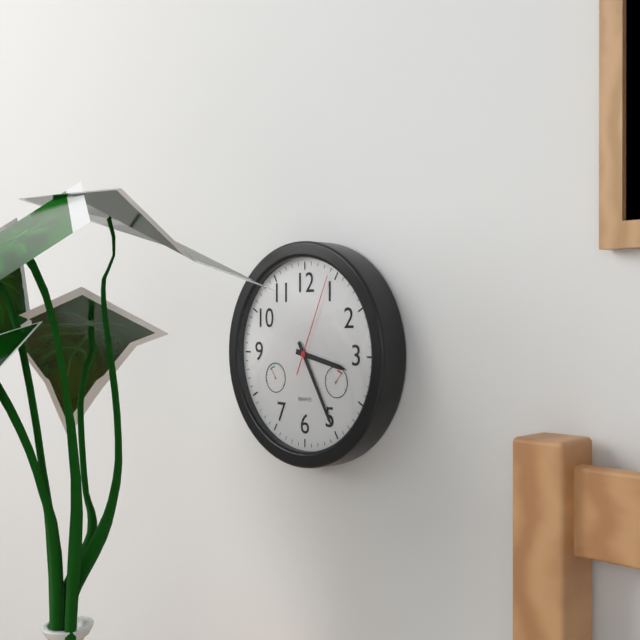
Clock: 3 h 25 min 04 s
